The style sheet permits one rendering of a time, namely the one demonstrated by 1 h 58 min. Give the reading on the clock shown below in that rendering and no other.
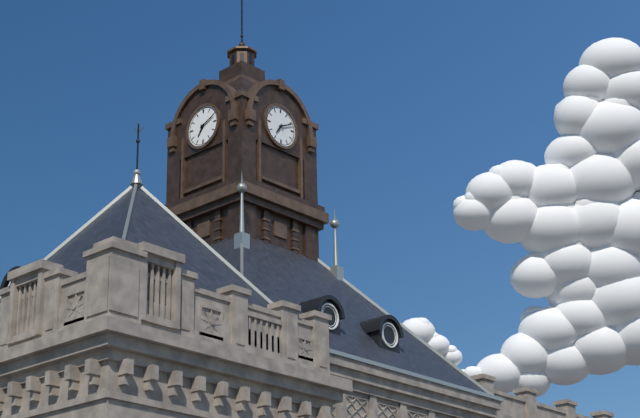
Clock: 7 h 11 min
